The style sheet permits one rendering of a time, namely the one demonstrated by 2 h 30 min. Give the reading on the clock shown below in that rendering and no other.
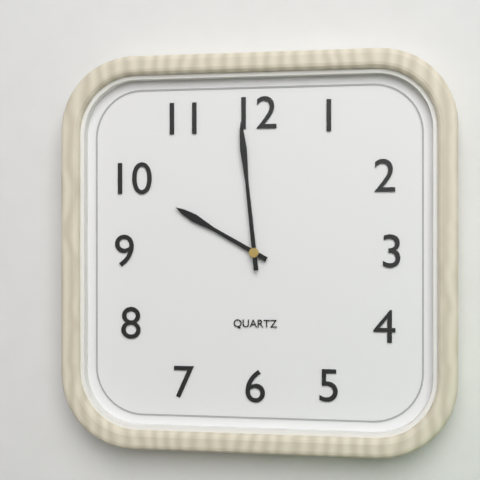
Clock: 9 h 59 min
